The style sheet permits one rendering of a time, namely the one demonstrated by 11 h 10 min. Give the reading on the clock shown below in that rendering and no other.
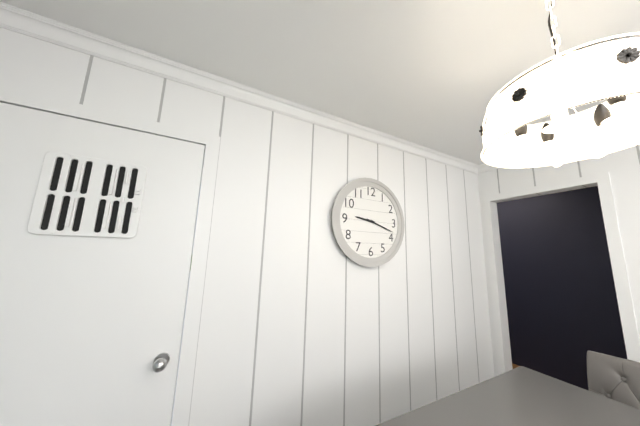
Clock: 9 h 18 min
